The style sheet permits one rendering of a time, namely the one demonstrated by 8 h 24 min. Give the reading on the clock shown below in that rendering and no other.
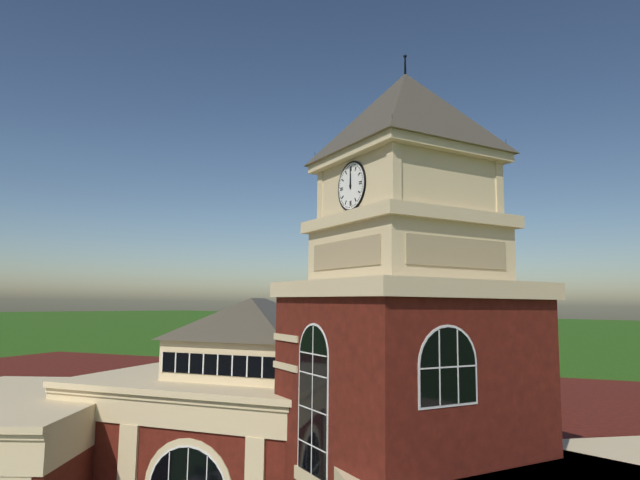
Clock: 12 h 00 min
